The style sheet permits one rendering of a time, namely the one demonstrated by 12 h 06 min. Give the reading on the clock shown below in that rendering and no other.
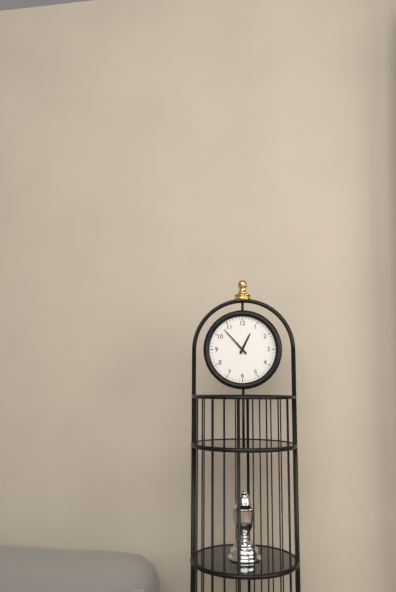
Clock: 12 h 53 min
